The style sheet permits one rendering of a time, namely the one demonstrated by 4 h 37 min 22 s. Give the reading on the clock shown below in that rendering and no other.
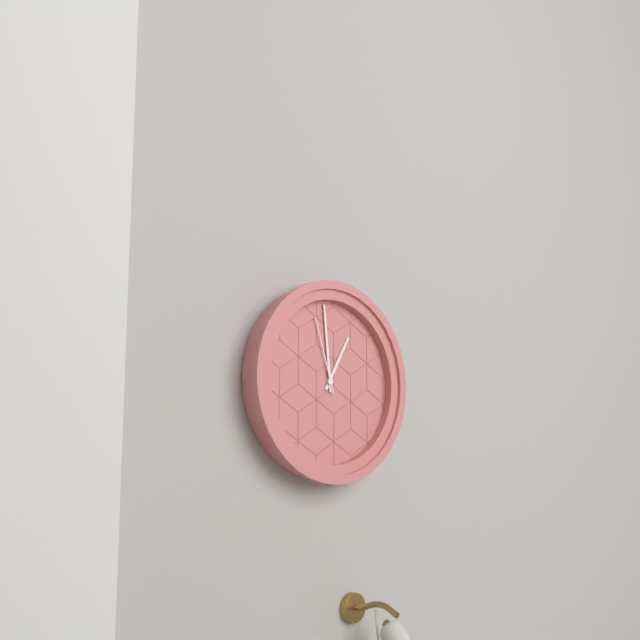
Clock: 12 h 59 min 57 s
